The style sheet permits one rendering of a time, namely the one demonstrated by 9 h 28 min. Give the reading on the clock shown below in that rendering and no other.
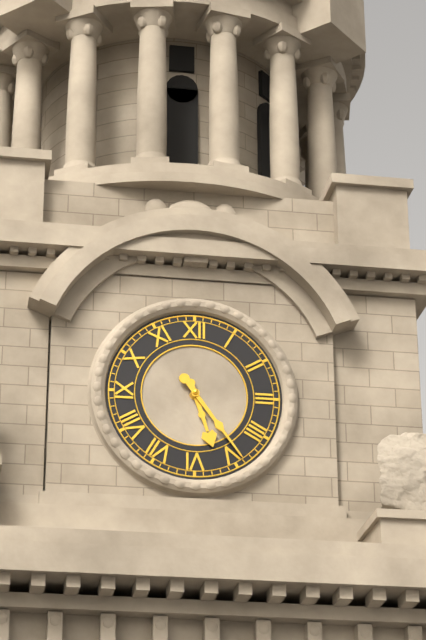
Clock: 5 h 24 min
